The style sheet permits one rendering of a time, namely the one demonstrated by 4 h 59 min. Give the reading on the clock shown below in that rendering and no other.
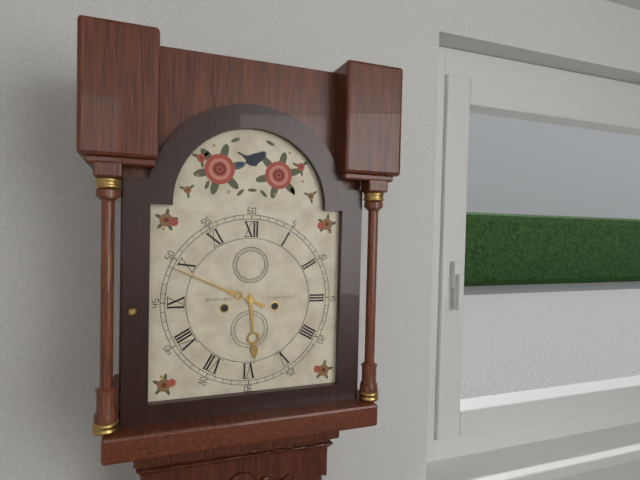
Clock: 5 h 49 min
